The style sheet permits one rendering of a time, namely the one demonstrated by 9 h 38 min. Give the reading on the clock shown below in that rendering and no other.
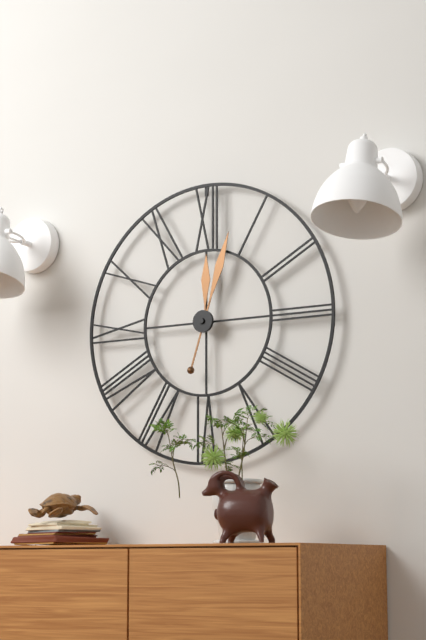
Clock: 12 h 03 min
